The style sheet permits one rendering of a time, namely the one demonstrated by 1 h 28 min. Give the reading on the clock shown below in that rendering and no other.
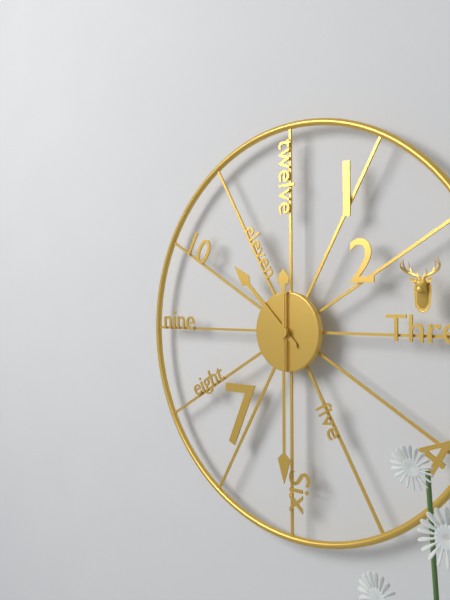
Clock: 10 h 30 min
